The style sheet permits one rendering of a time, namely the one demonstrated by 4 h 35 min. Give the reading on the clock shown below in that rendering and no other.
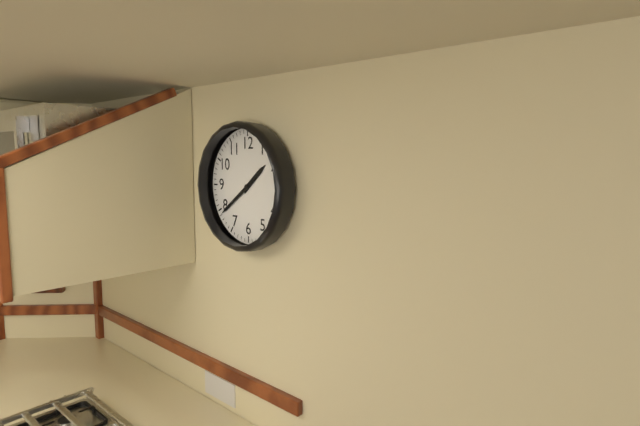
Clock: 1 h 39 min
